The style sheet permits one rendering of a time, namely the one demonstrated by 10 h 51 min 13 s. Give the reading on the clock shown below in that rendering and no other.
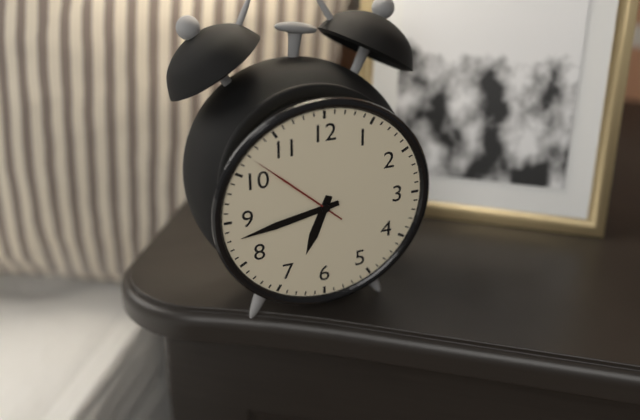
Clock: 6 h 43 min 52 s
